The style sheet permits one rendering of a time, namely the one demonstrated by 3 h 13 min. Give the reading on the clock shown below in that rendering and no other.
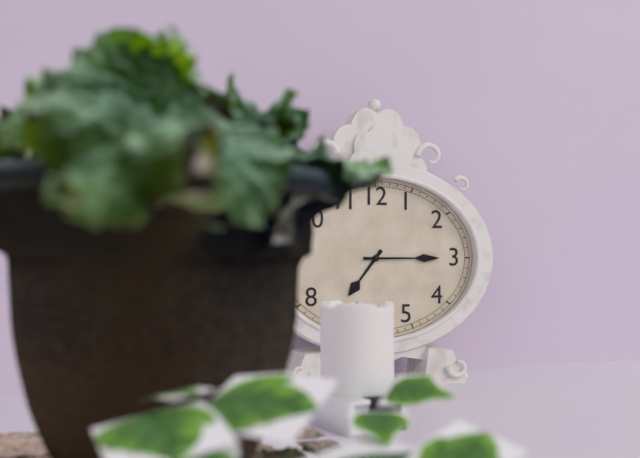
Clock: 7 h 15 min
